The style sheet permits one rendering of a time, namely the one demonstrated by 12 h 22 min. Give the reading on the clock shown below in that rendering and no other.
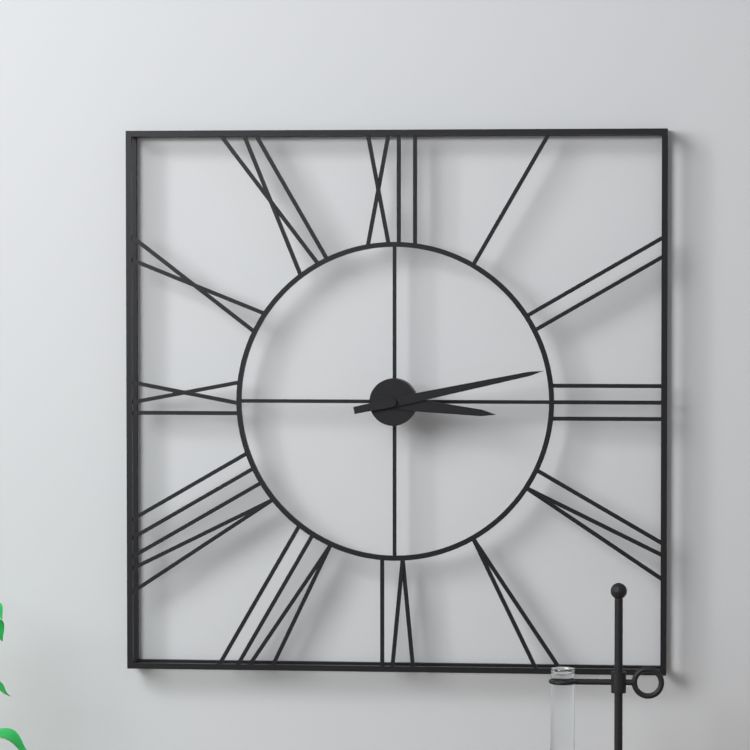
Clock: 3 h 13 min
